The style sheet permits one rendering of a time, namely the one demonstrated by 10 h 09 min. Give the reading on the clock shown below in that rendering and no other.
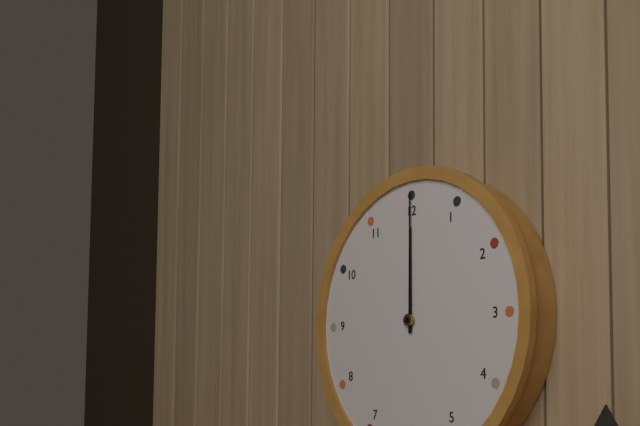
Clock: 12 h 00 min
